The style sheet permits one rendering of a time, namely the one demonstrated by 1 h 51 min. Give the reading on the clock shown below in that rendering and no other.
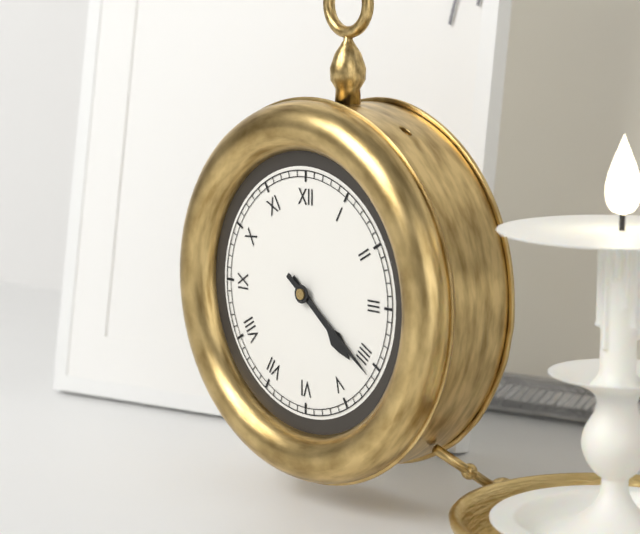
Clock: 4 h 21 min
